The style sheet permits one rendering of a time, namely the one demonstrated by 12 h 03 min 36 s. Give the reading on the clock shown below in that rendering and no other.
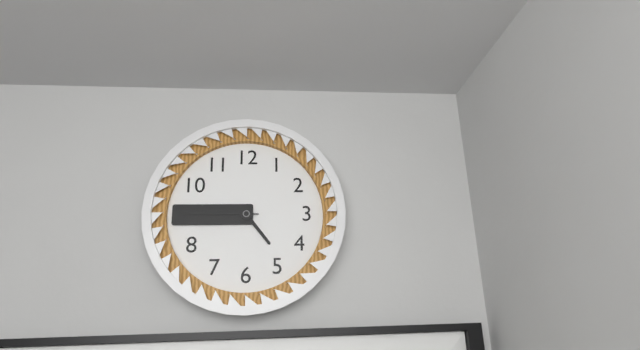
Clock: 4 h 45 min 45 s
